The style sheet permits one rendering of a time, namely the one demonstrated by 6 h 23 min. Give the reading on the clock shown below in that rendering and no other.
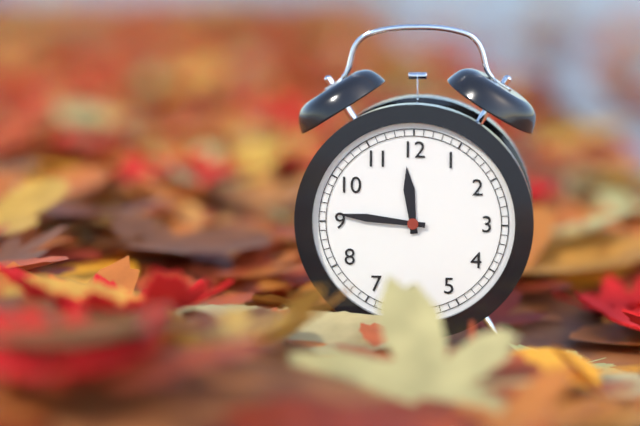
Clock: 11 h 46 min
